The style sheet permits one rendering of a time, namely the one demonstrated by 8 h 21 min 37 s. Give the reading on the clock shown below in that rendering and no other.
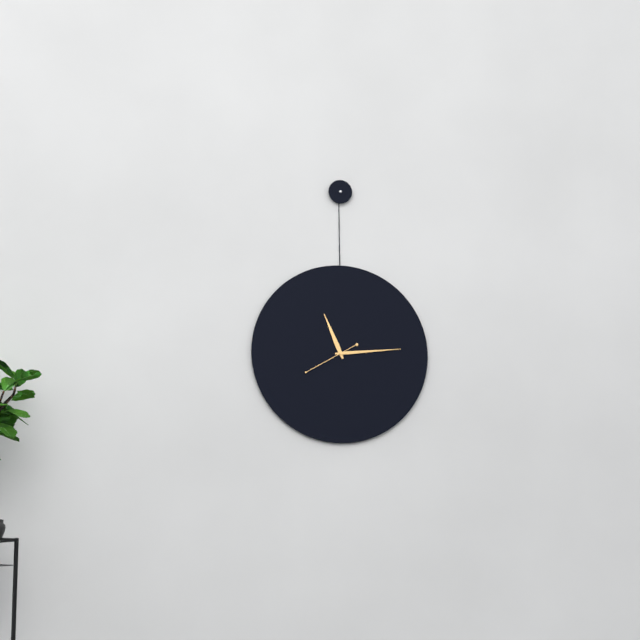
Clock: 11 h 14 min 40 s
